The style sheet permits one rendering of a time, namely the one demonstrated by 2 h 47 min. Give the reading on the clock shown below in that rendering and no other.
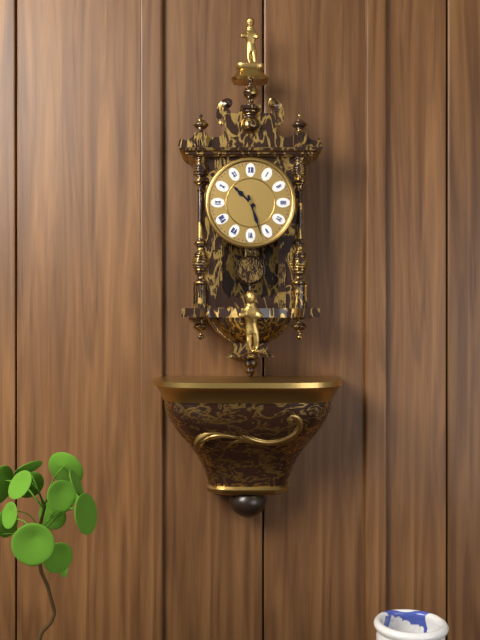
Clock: 10 h 27 min
